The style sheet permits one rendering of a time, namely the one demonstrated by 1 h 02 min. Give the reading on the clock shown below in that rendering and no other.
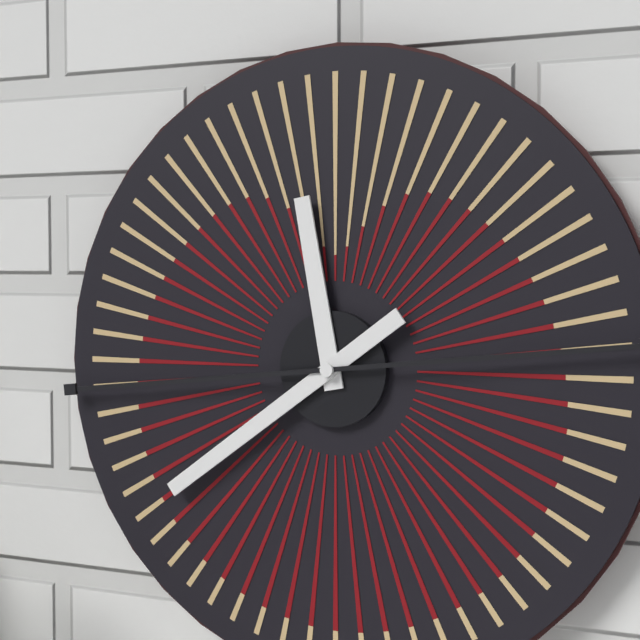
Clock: 11 h 39 min
